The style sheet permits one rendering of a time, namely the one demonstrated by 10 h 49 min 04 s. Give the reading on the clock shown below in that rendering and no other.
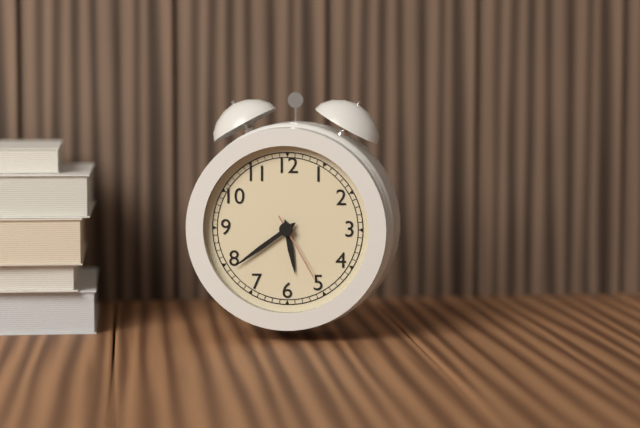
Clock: 5 h 39 min 25 s
